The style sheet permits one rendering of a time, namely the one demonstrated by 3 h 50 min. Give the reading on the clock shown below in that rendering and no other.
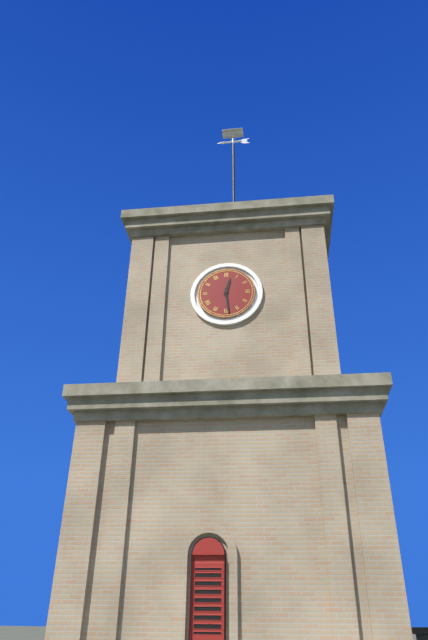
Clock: 12 h 29 min
